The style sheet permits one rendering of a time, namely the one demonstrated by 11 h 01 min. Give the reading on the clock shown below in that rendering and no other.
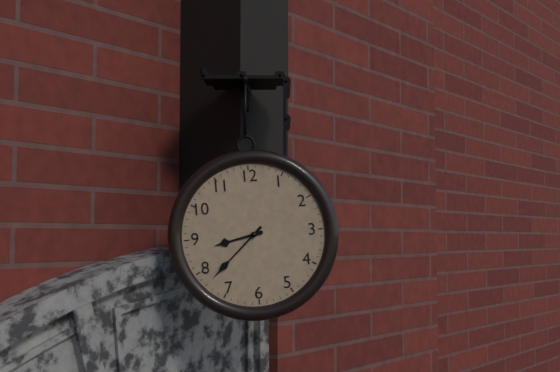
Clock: 8 h 38 min
